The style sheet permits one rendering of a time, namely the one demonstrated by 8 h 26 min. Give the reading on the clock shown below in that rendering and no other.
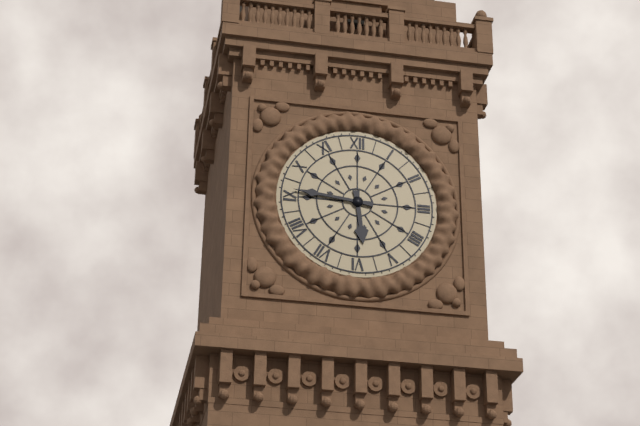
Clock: 5 h 46 min
